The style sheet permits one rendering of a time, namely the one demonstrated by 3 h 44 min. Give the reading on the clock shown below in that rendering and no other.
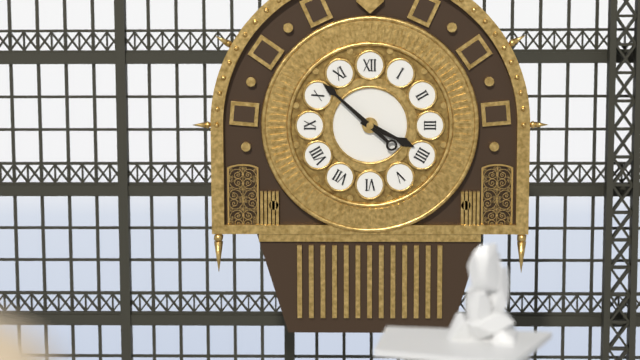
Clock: 3 h 52 min
